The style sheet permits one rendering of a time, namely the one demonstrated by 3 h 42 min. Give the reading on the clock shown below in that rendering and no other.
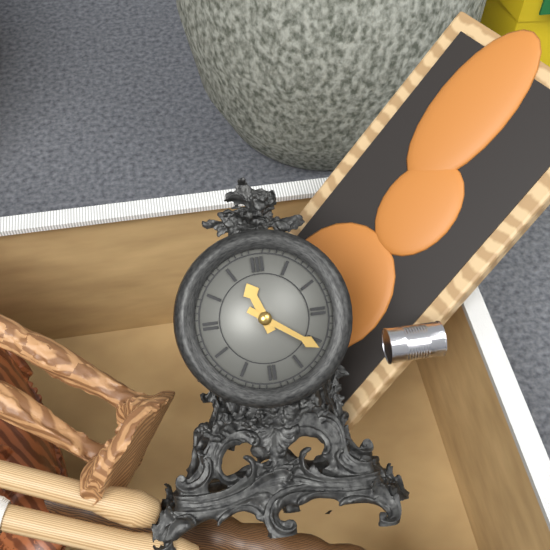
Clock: 11 h 21 min
